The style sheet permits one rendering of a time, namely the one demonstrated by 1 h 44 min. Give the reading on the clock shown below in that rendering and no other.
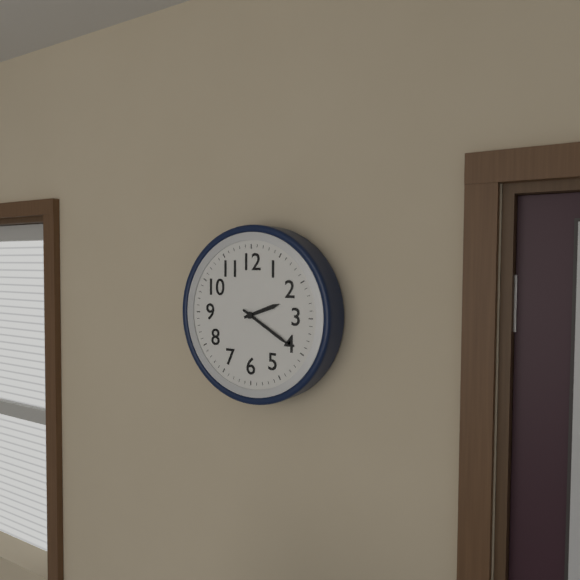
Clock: 2 h 20 min
